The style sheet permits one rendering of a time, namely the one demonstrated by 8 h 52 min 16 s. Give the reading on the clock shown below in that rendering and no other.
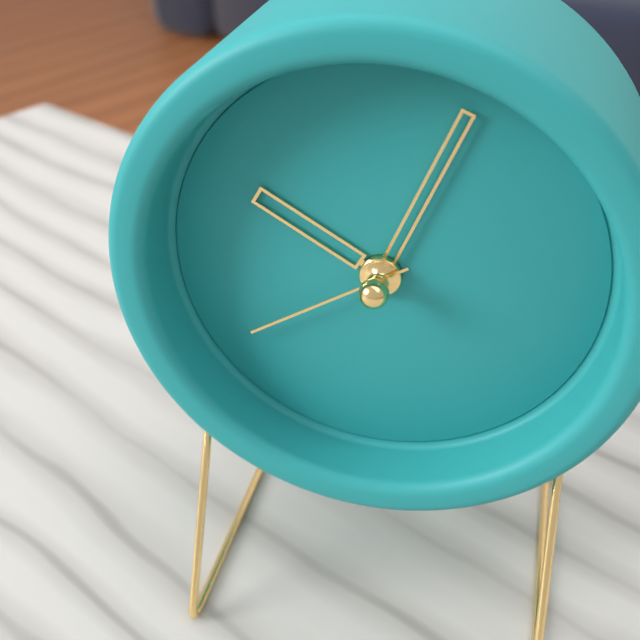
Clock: 10 h 04 min 40 s
